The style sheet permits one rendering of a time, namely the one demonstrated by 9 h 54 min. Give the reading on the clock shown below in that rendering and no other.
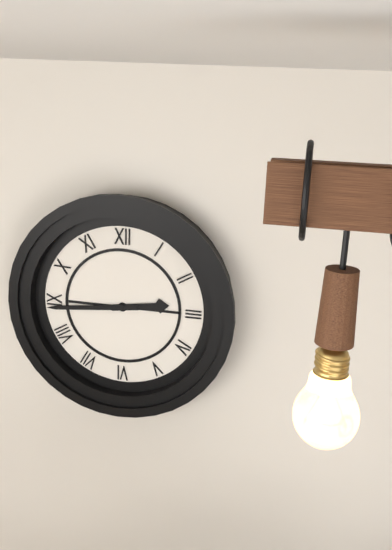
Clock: 2 h 44 min
